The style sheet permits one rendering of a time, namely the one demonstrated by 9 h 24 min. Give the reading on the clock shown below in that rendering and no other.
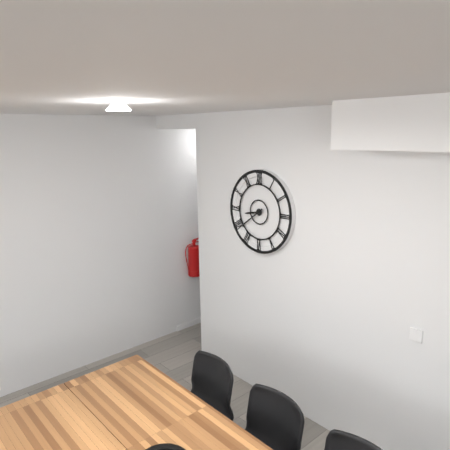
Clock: 8 h 39 min
